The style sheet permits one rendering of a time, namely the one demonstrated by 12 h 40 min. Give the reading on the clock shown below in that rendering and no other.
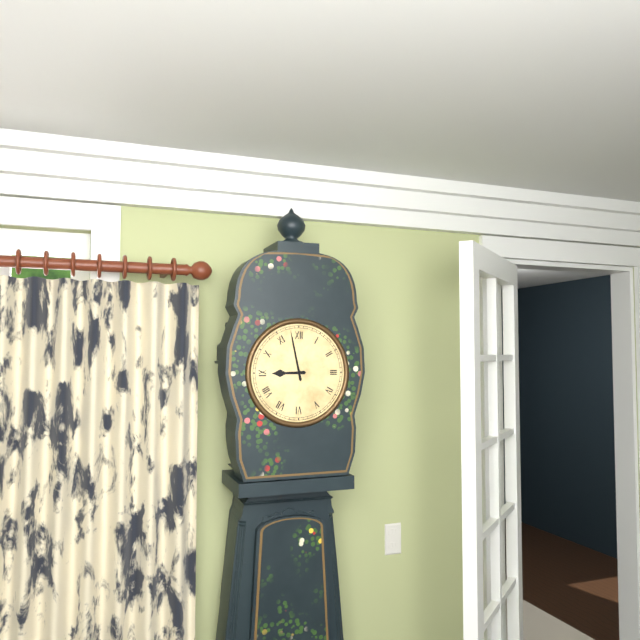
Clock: 8 h 58 min
